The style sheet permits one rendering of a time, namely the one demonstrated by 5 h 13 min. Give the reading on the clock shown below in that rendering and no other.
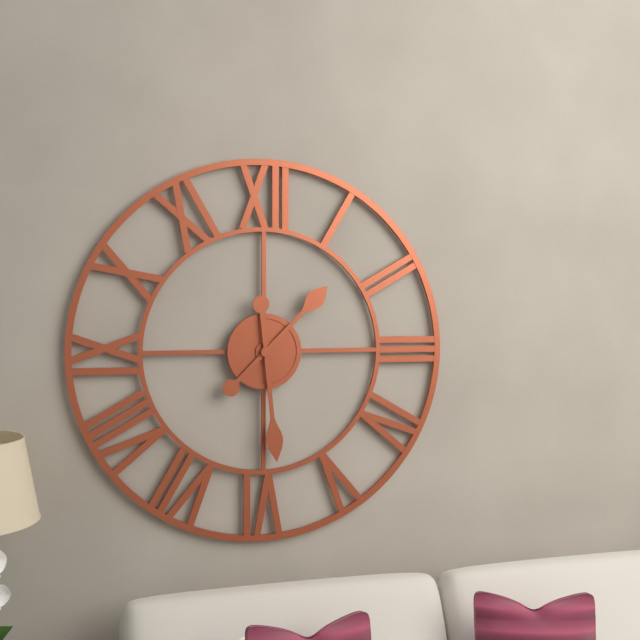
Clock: 1 h 29 min
